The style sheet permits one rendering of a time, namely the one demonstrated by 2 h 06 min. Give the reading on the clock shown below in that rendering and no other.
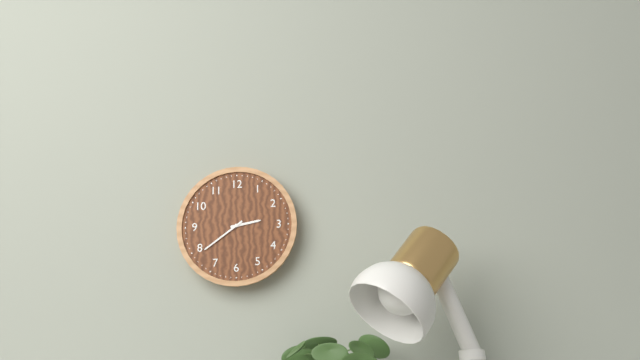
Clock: 2 h 39 min
